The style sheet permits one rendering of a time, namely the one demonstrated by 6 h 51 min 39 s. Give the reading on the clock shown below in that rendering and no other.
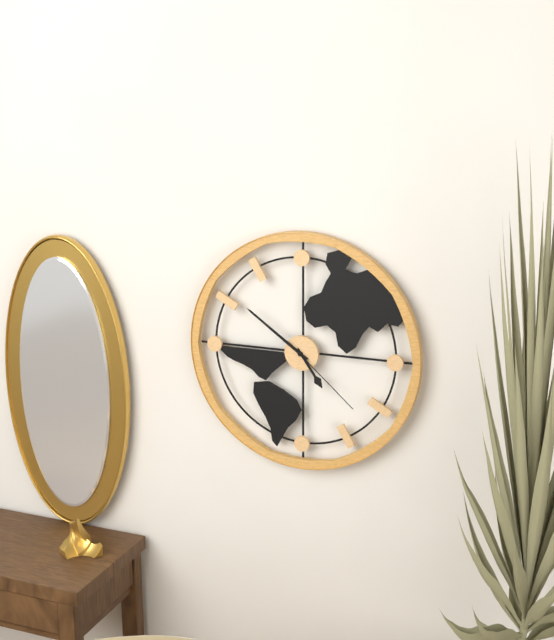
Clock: 4 h 51 min 22 s
